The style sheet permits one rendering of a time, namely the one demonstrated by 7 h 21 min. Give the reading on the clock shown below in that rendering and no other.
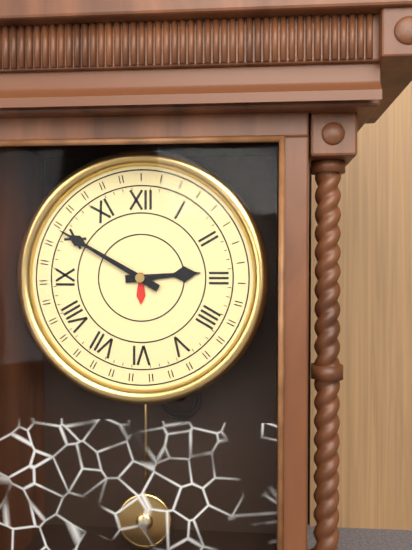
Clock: 2 h 50 min
